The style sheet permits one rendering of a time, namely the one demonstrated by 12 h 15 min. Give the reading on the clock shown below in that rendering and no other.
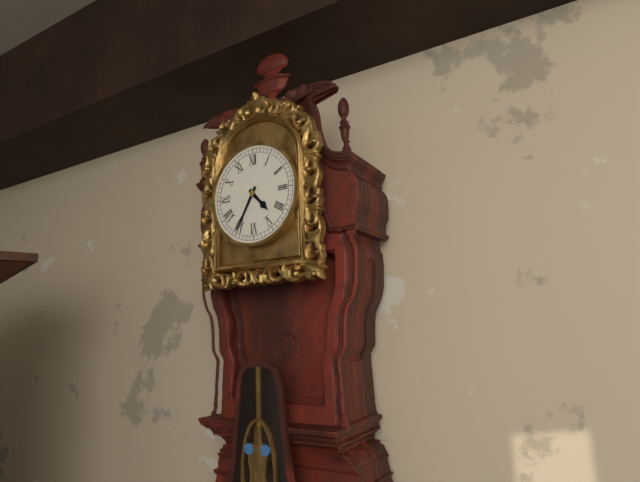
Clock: 4 h 35 min
